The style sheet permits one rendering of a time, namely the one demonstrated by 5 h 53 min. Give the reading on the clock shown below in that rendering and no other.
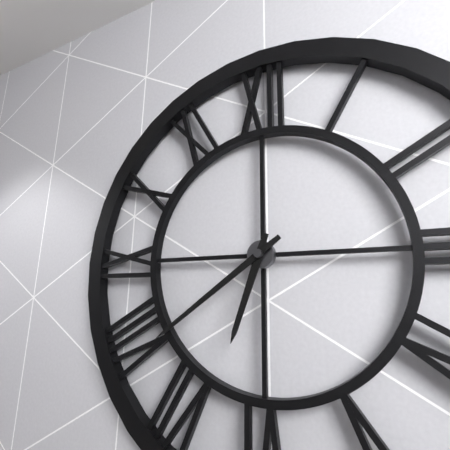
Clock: 6 h 39 min
